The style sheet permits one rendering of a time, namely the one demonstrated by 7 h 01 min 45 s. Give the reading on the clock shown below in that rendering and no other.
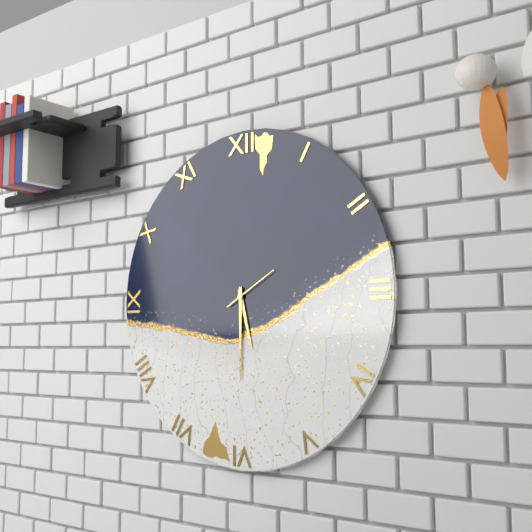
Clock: 5 h 30 min 10 s
